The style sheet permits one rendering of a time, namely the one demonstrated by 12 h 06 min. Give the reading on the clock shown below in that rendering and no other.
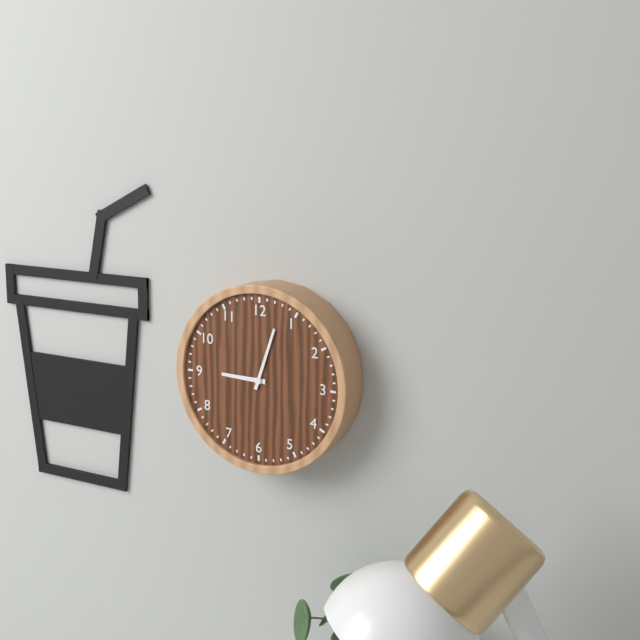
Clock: 9 h 03 min
